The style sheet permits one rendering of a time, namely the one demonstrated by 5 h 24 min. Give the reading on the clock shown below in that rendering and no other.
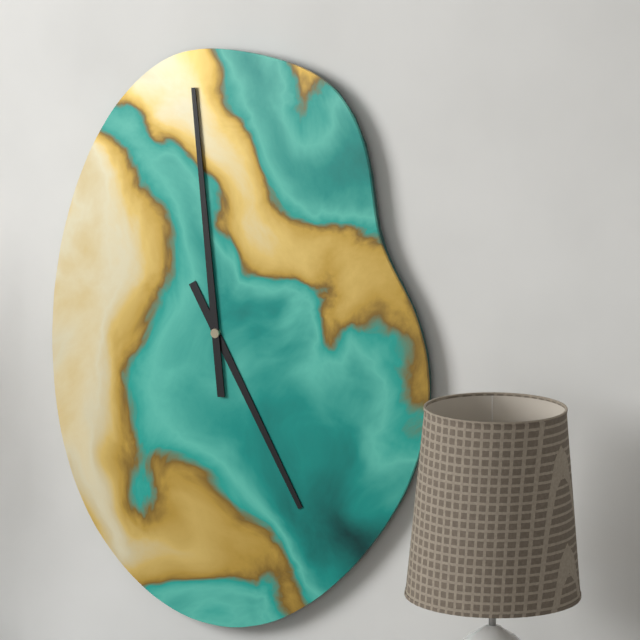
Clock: 4 h 59 min
